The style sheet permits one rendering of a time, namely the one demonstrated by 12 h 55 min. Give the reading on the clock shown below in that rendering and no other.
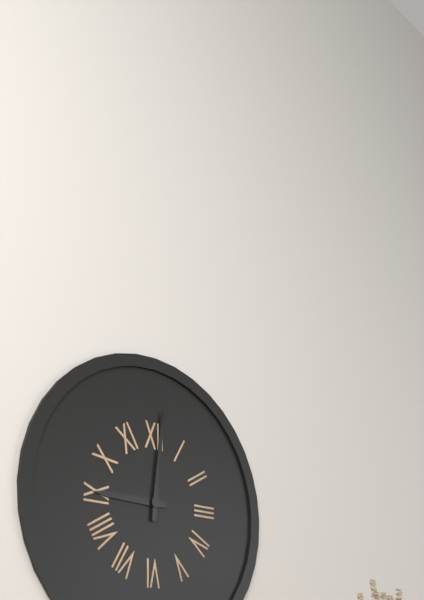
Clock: 9 h 01 min
